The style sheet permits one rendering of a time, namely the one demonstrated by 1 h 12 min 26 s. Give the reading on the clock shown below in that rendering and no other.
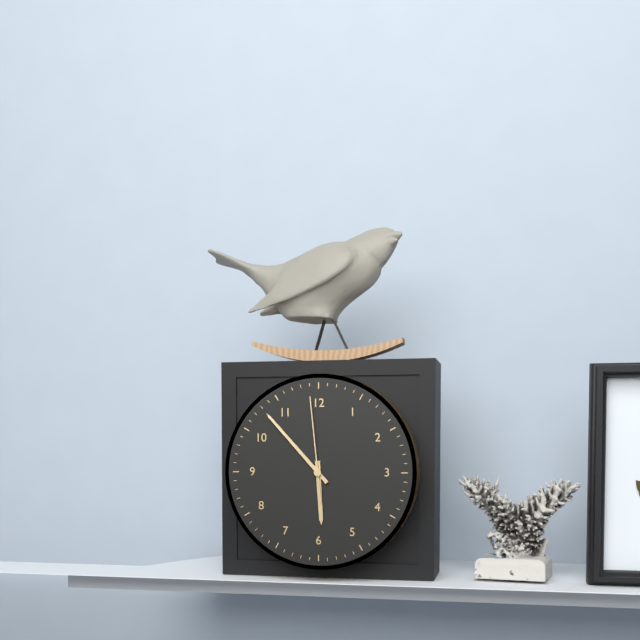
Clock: 5 h 53 min 59 s
